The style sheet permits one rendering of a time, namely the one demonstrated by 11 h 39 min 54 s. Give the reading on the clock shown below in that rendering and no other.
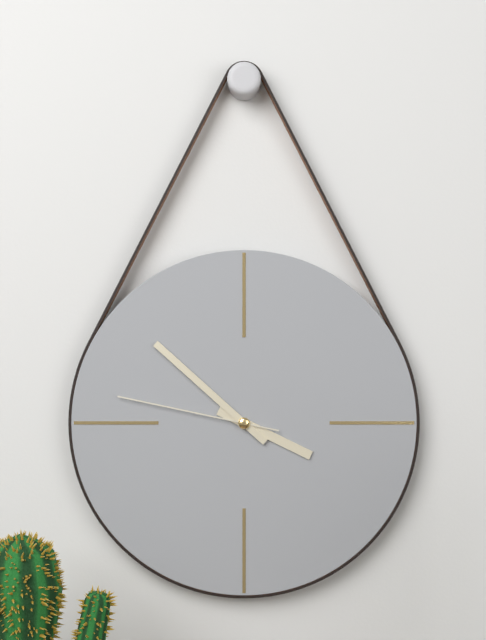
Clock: 3 h 52 min 47 s
